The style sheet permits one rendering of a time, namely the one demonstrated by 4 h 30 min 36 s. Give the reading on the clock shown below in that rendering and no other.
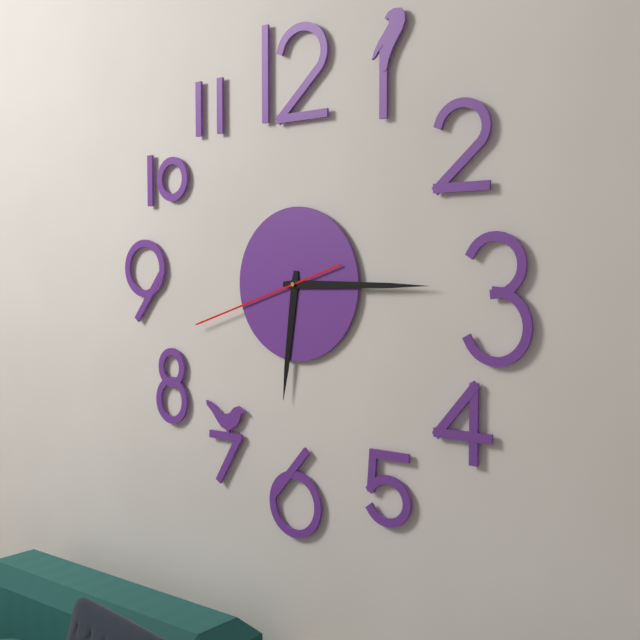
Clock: 6 h 15 min 42 s
